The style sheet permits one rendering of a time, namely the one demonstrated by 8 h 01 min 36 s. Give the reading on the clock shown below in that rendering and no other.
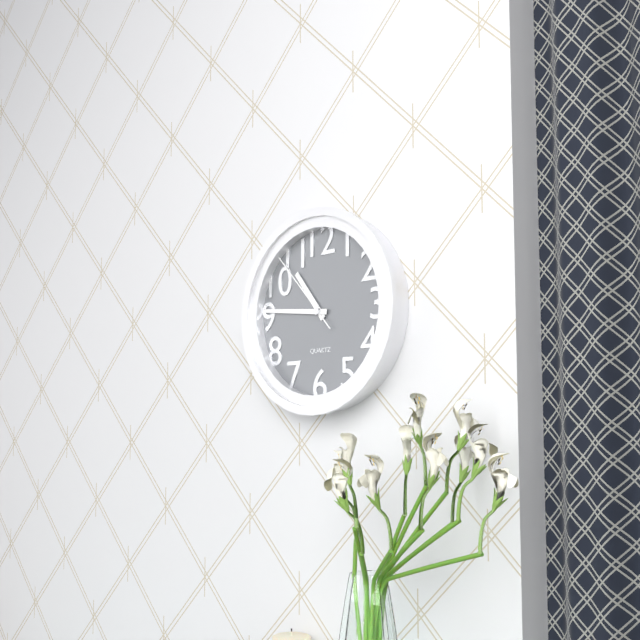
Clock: 10 h 46 min 53 s
